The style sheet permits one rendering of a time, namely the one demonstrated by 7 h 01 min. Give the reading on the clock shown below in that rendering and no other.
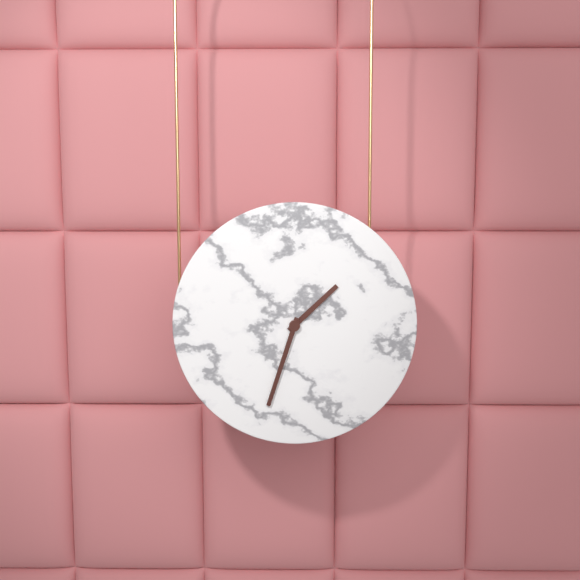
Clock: 1 h 33 min
